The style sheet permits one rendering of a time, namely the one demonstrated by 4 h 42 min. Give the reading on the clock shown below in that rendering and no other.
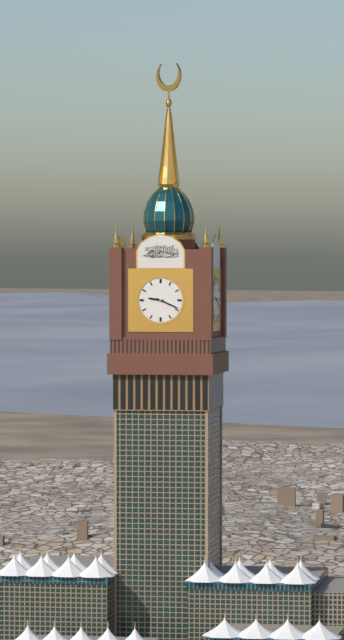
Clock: 9 h 19 min
